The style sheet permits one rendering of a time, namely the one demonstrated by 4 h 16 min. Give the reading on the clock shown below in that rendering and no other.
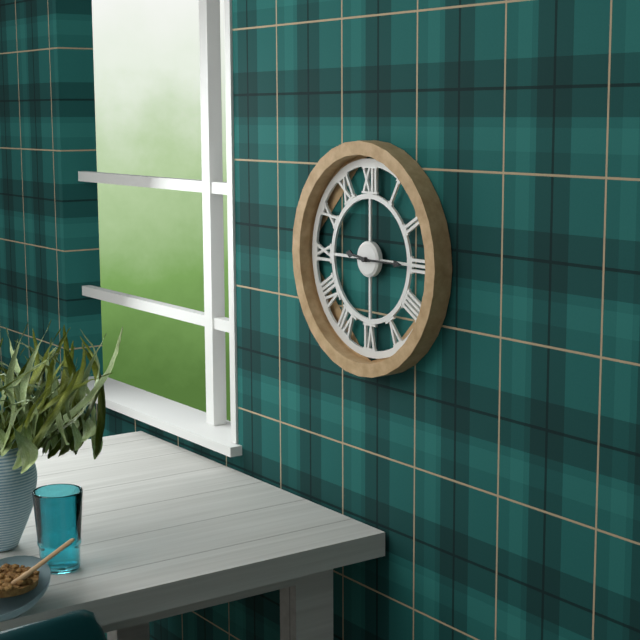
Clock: 9 h 15 min
